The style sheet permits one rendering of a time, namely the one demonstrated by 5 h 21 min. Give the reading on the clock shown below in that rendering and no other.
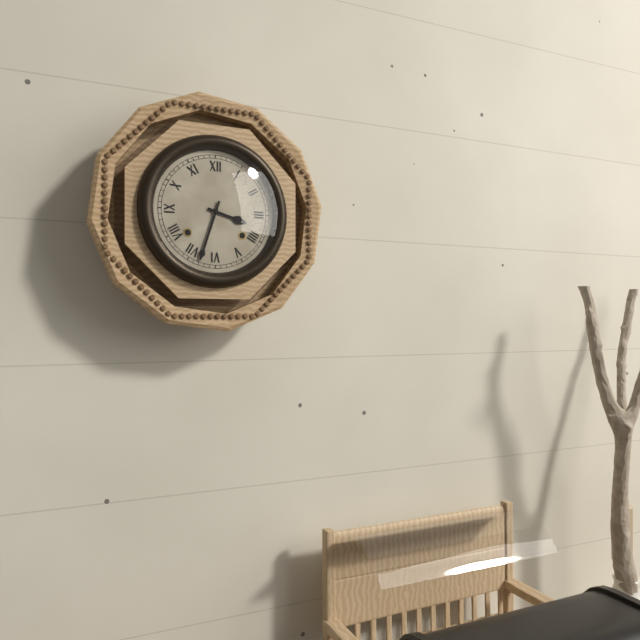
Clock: 3 h 33 min
